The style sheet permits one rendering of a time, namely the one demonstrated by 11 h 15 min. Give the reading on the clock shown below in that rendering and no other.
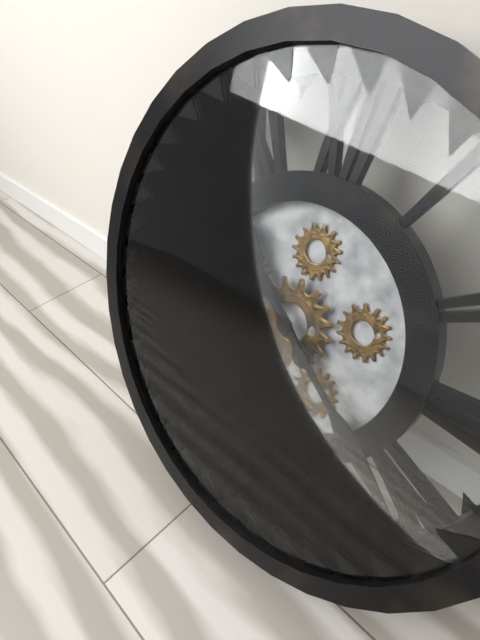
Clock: 10 h 21 min
